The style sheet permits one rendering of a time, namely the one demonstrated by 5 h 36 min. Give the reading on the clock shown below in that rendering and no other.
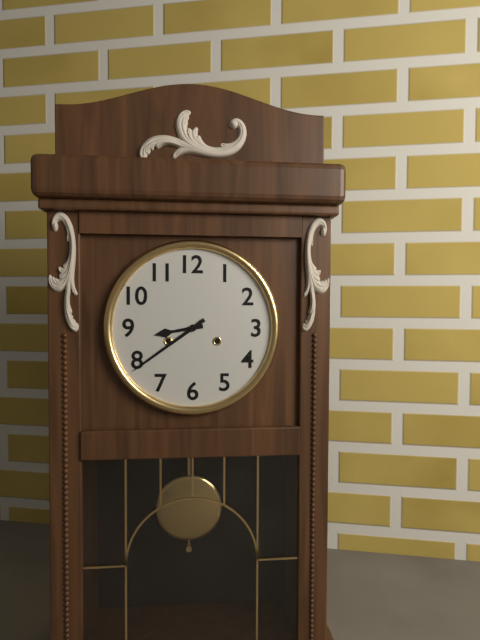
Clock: 8 h 39 min
